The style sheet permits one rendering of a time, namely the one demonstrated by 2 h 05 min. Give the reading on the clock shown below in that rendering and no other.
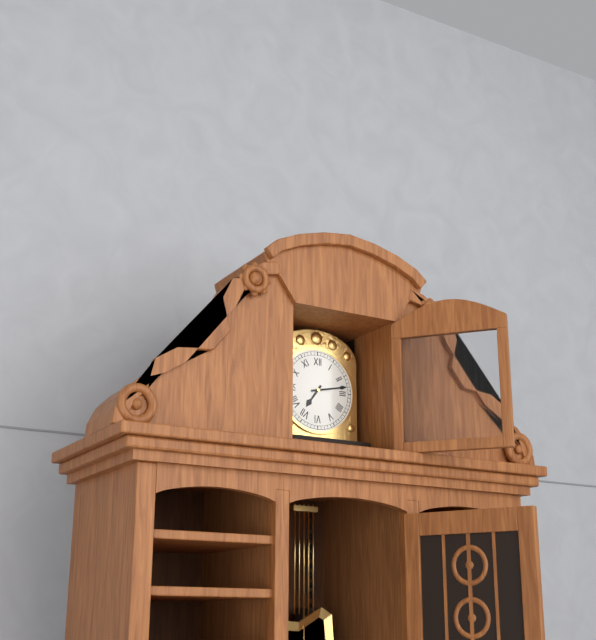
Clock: 7 h 13 min
